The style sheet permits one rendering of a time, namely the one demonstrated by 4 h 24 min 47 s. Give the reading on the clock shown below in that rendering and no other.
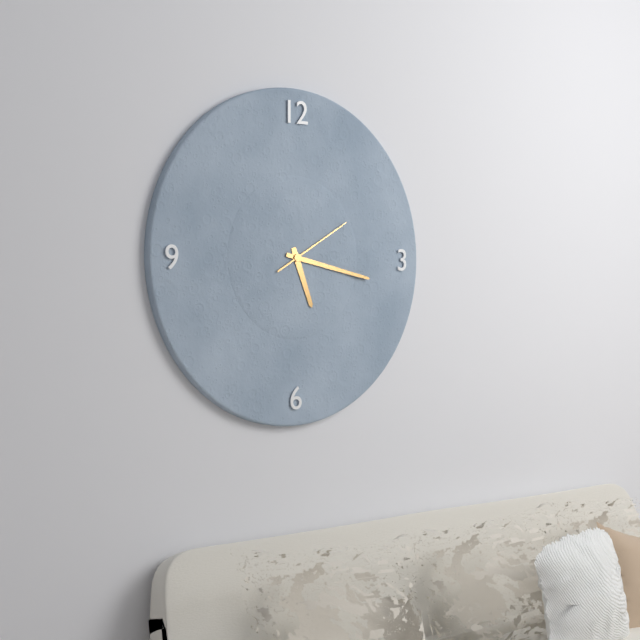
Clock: 5 h 17 min 10 s
